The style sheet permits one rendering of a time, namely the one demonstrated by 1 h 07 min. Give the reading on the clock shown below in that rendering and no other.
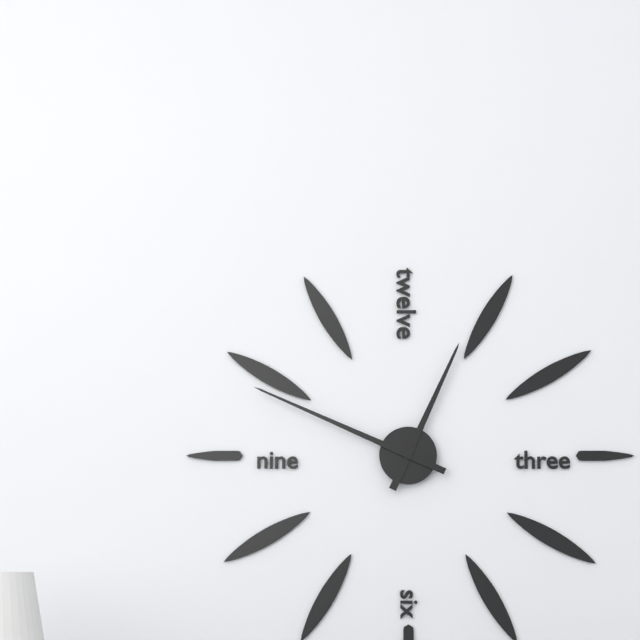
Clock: 12 h 49 min
